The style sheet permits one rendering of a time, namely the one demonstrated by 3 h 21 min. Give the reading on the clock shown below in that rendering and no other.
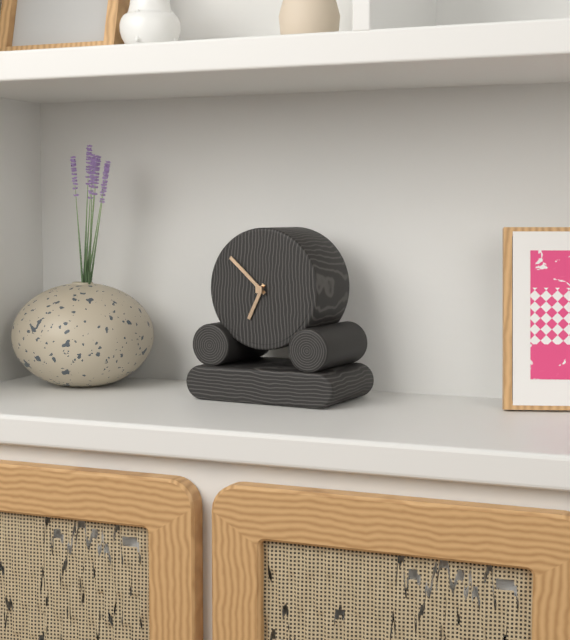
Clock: 6 h 52 min
